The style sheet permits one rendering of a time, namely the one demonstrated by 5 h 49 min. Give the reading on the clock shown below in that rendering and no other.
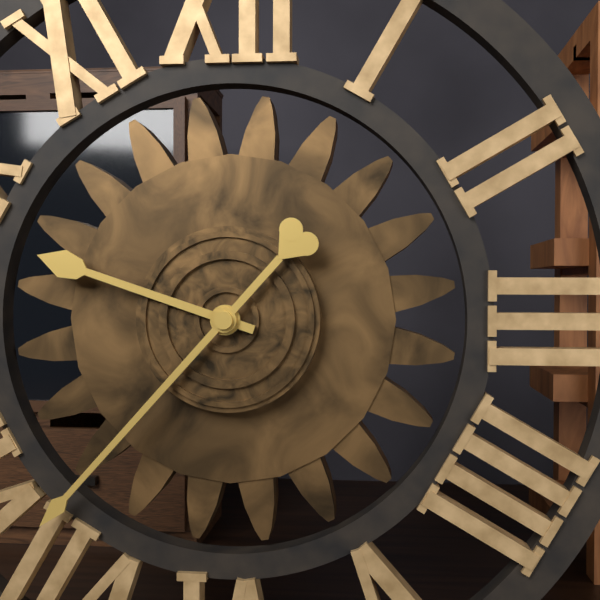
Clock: 9 h 37 min
